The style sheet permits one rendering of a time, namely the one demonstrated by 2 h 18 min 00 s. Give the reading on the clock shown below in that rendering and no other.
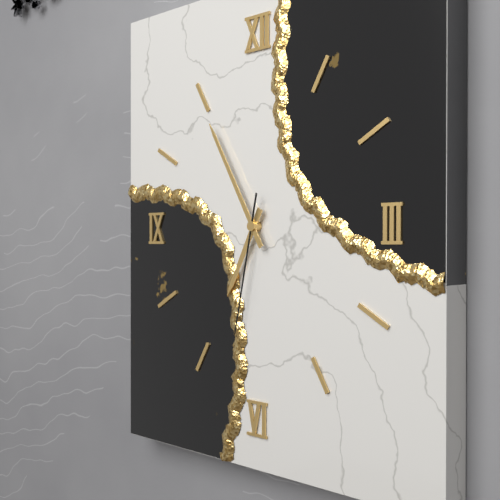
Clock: 6 h 55 min 32 s
